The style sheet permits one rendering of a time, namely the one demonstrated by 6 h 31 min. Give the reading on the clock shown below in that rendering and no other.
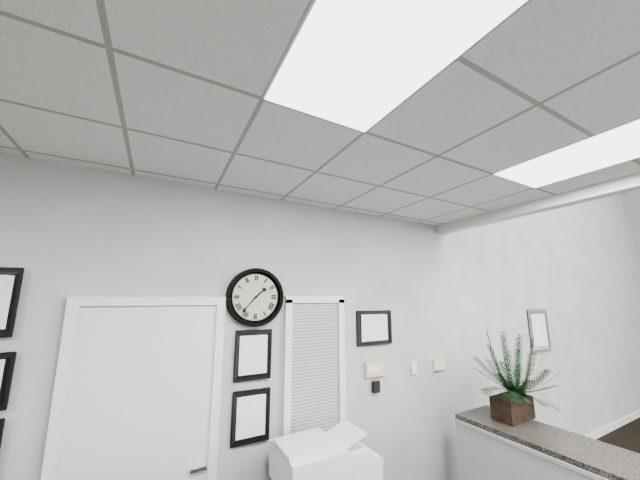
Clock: 1 h 37 min
